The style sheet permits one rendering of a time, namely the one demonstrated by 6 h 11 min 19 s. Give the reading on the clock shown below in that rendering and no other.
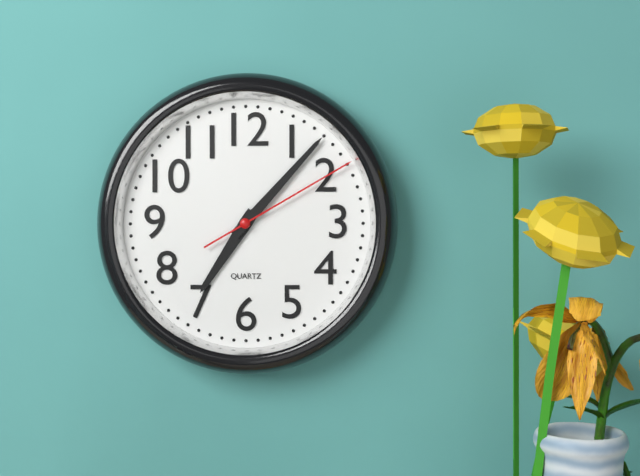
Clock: 7 h 07 min 10 s
